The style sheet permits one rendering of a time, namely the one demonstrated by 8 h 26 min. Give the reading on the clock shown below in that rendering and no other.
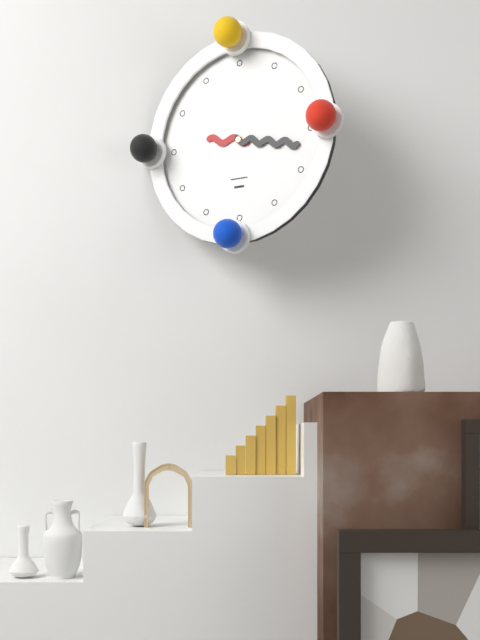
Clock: 9 h 17 min
